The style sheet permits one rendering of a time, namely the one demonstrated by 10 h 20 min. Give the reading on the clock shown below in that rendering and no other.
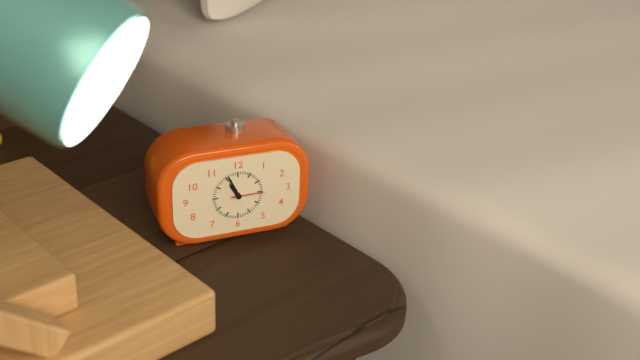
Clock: 10 h 56 min
